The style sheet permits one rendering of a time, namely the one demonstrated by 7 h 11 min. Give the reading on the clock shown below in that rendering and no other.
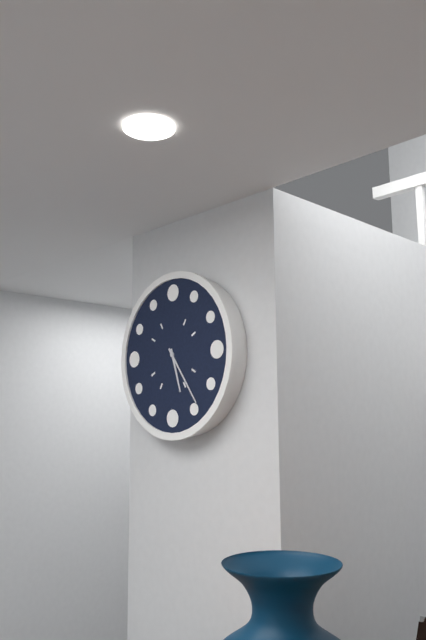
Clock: 5 h 24 min
